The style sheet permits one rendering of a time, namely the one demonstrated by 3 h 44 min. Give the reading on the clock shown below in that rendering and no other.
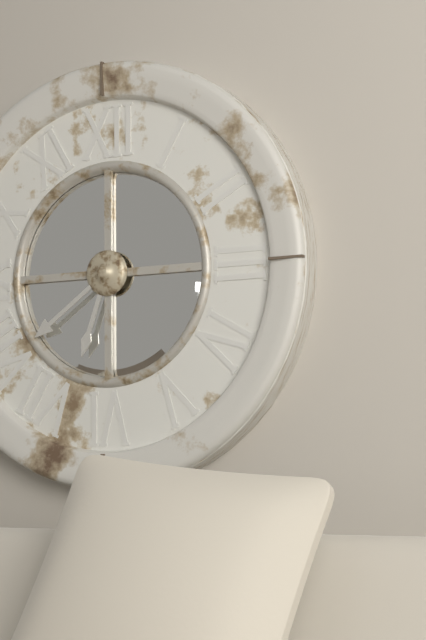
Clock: 6 h 39 min
